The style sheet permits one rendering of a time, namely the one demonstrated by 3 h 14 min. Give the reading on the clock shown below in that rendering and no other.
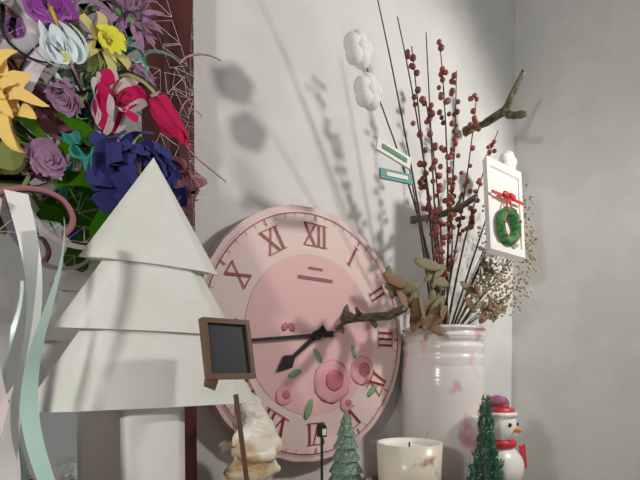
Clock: 7 h 44 min
